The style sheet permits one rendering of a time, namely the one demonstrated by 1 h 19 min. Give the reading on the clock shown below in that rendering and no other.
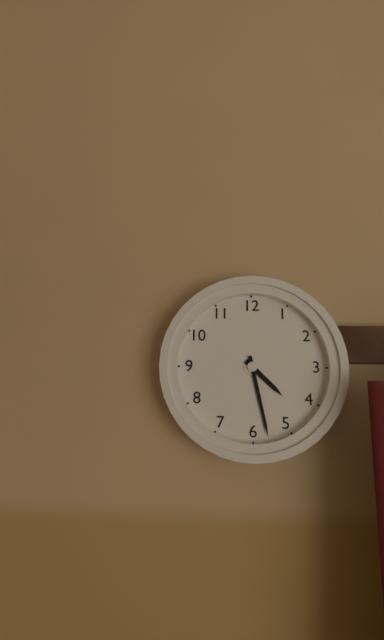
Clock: 4 h 28 min
